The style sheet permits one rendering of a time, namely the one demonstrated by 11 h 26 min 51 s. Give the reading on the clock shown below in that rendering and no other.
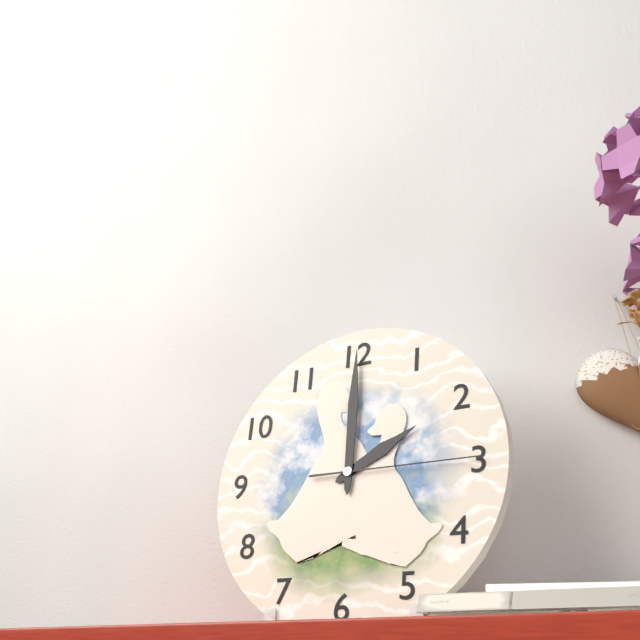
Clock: 2 h 00 min 15 s
